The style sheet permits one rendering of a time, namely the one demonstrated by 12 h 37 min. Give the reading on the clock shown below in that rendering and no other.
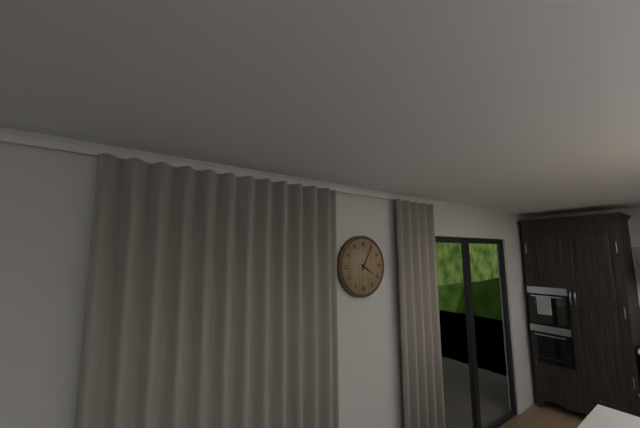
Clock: 4 h 05 min
